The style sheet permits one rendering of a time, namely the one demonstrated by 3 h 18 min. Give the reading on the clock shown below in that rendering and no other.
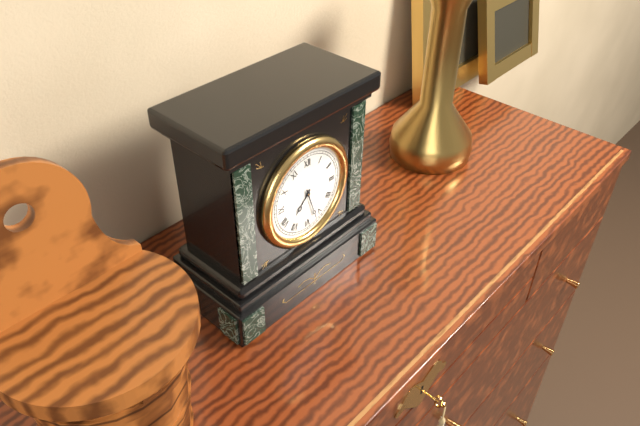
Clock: 7 h 27 min
